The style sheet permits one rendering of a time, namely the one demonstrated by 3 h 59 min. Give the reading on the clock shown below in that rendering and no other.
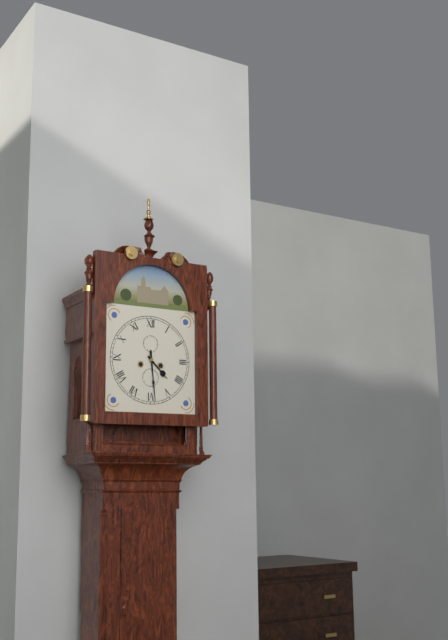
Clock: 4 h 29 min
